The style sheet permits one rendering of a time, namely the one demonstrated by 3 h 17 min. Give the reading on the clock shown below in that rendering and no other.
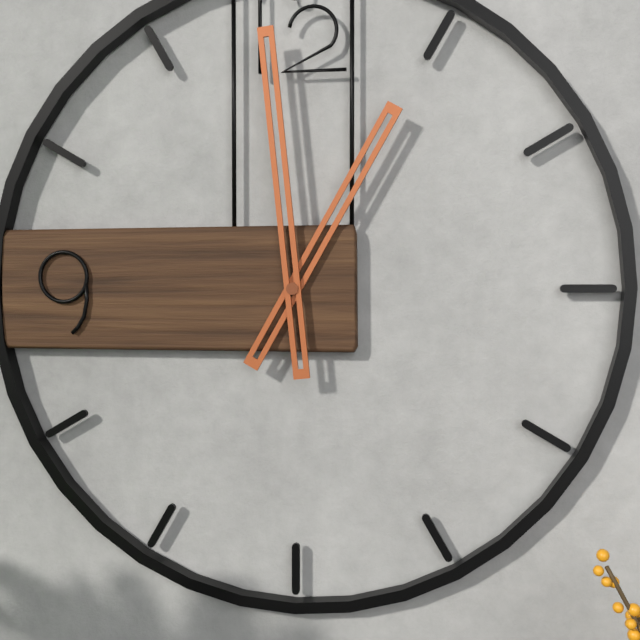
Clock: 12 h 59 min
